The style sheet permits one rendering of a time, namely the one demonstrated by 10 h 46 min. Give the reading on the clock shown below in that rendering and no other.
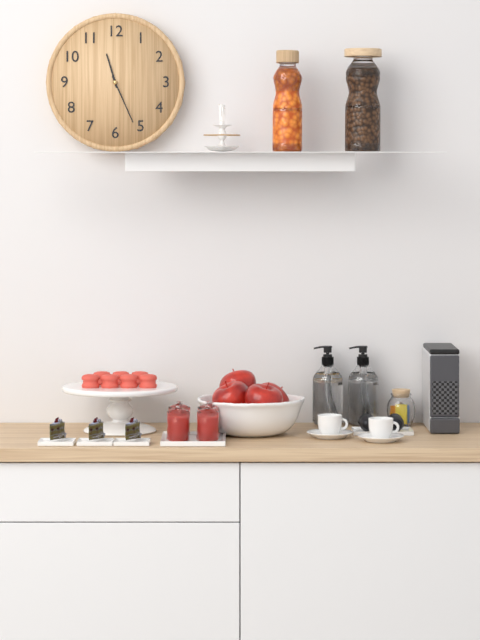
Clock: 11 h 26 min
